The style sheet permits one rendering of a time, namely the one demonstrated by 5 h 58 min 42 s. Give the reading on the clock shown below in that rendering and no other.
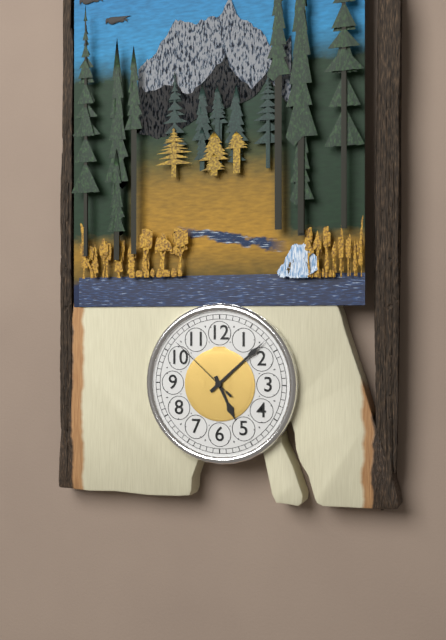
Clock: 5 h 08 min 52 s
